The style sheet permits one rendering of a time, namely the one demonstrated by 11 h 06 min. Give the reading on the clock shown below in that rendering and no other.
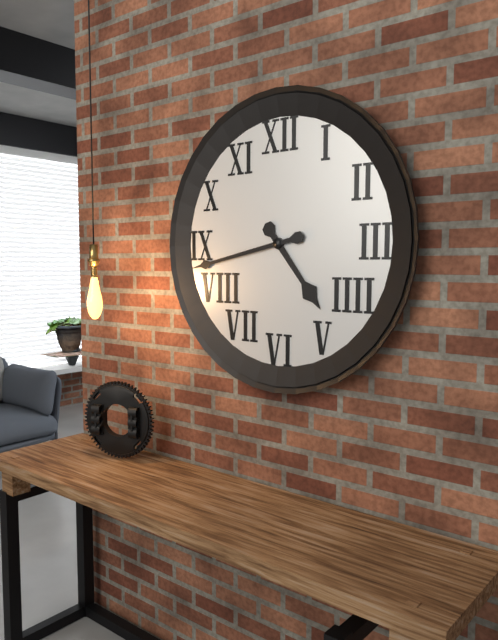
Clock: 4 h 43 min
